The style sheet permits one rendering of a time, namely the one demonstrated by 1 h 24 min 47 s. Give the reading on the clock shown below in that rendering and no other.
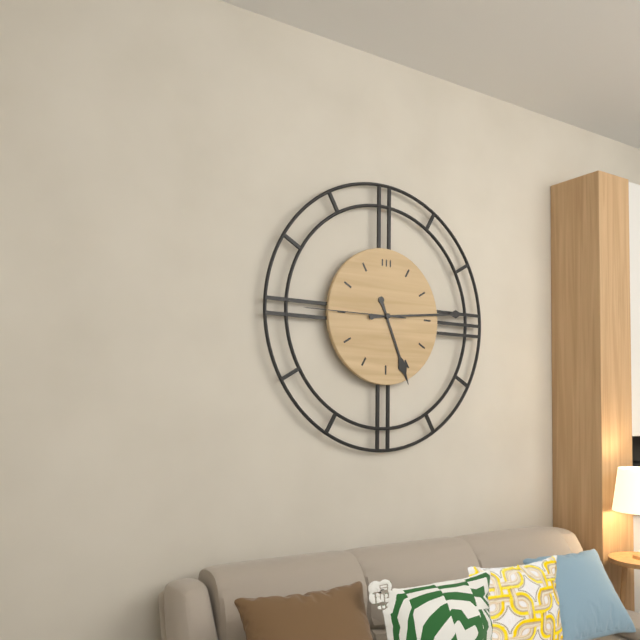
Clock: 5 h 14 min 45 s
